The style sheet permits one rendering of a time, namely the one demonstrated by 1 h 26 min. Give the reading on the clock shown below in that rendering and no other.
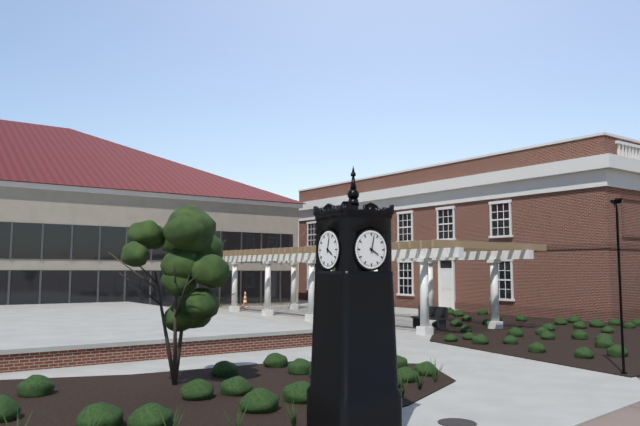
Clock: 4 h 02 min
